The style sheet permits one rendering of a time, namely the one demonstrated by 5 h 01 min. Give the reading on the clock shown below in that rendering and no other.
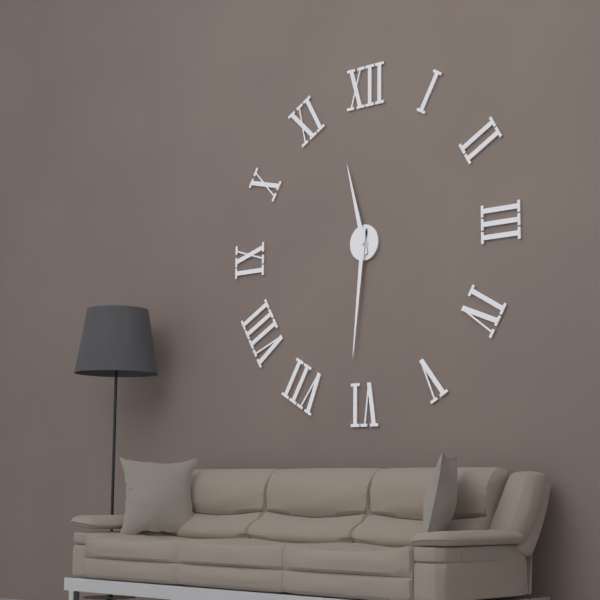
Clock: 11 h 31 min
